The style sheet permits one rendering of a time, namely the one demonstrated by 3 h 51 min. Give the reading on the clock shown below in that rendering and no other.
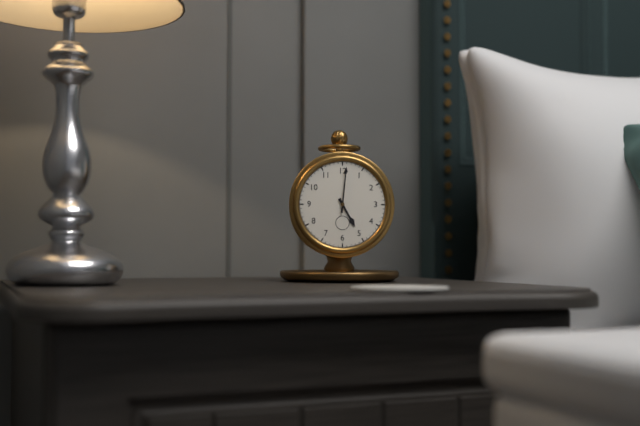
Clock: 5 h 01 min
